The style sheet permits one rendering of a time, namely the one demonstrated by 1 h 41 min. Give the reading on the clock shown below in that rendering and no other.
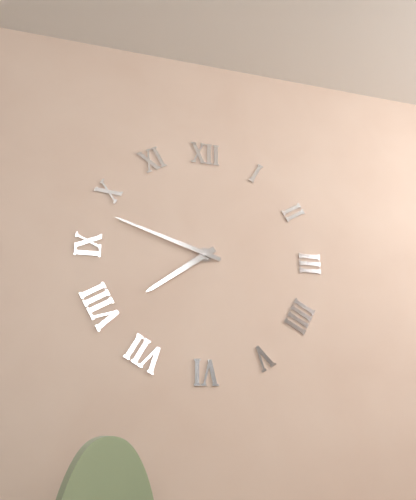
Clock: 7 h 48 min
